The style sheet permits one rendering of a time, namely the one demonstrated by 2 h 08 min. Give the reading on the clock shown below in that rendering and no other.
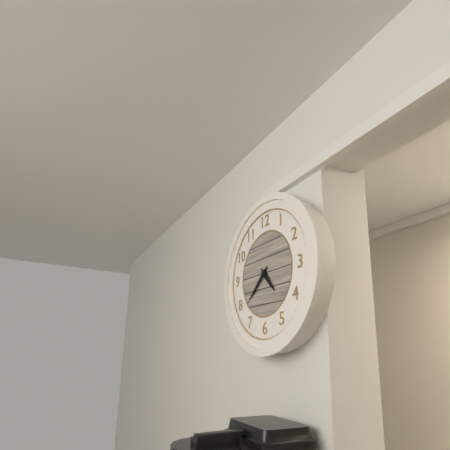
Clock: 4 h 38 min
